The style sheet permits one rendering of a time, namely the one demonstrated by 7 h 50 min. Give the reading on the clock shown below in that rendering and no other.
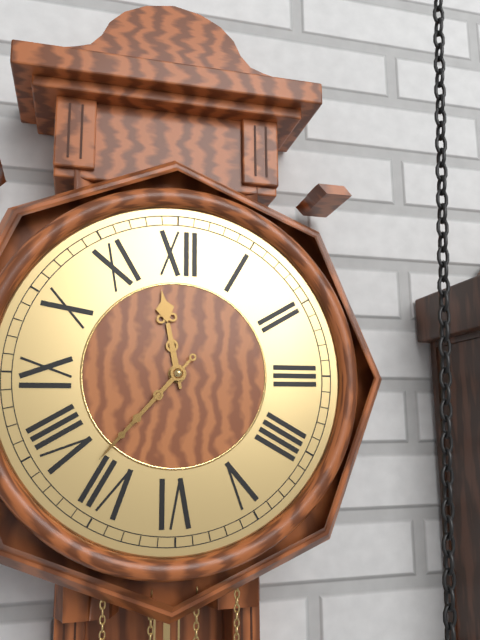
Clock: 11 h 37 min
